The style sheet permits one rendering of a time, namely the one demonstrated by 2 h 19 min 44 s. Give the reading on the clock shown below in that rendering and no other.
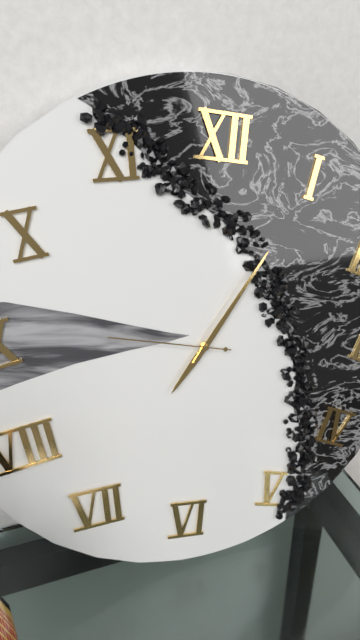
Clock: 7 h 05 min 46 s
